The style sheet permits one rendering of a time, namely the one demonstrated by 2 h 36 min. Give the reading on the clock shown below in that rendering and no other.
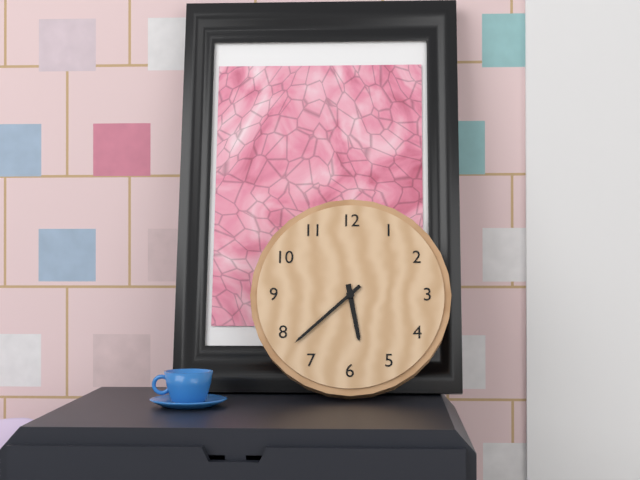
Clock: 5 h 38 min
